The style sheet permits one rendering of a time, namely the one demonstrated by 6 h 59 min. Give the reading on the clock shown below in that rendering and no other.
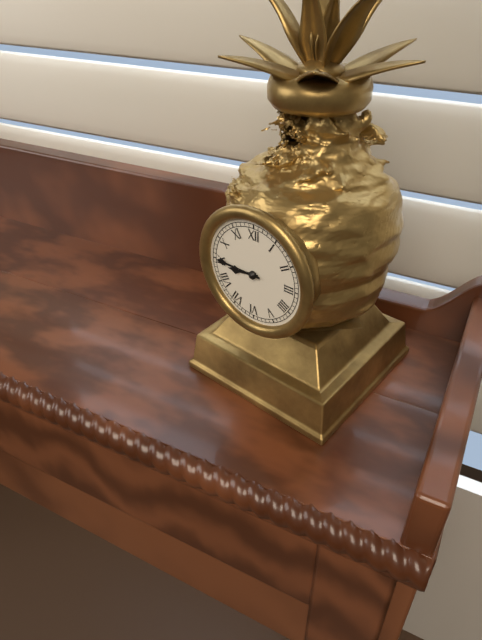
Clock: 8 h 45 min
